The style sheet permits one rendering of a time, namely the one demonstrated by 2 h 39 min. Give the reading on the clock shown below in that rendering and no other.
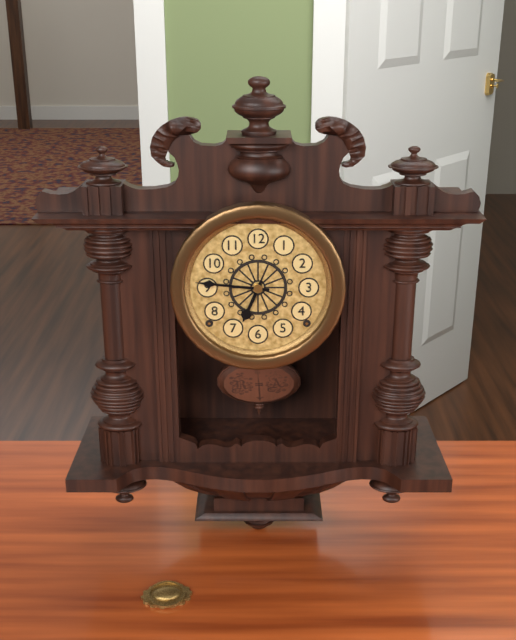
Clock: 6 h 46 min
